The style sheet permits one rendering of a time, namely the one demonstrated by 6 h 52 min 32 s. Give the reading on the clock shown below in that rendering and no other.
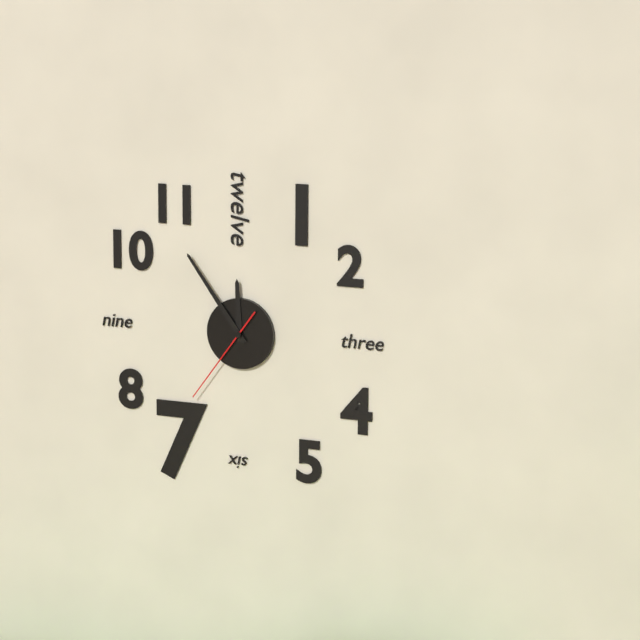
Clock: 11 h 54 min 36 s
